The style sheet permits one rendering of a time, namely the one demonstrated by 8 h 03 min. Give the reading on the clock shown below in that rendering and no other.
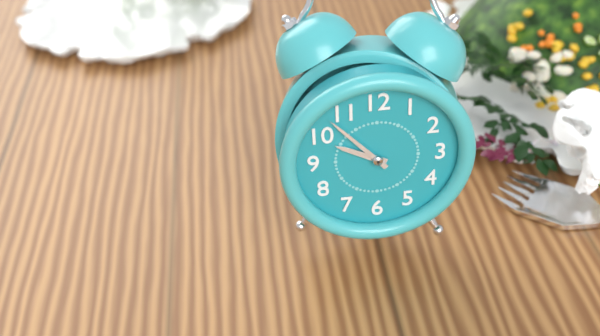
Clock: 9 h 53 min
